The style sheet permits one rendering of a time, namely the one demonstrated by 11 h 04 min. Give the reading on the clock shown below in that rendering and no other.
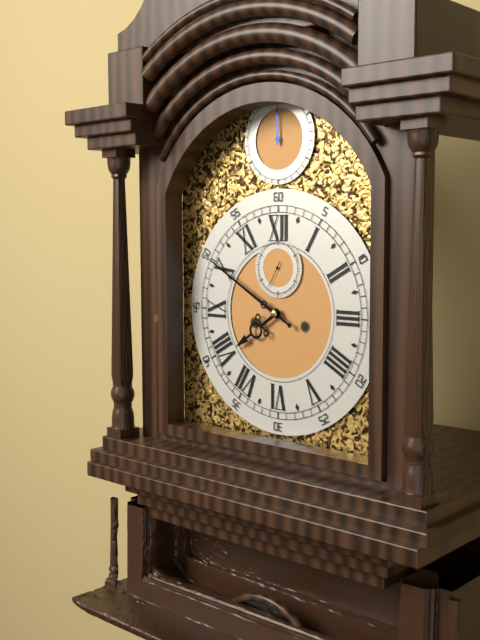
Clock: 7 h 50 min
